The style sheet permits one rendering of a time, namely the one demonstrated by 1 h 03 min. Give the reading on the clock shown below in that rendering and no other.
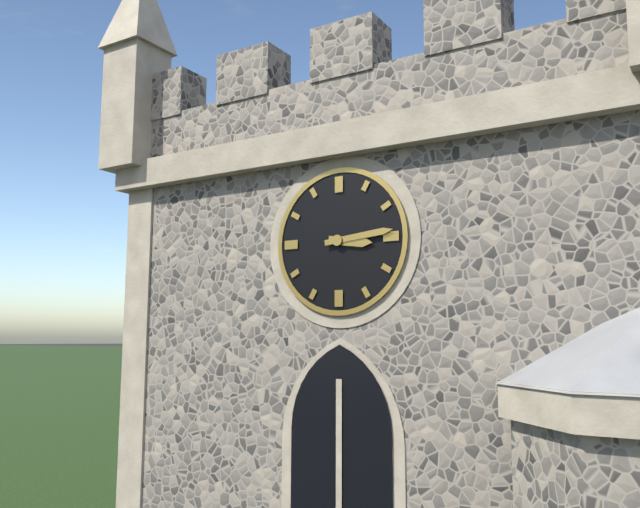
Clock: 3 h 14 min
